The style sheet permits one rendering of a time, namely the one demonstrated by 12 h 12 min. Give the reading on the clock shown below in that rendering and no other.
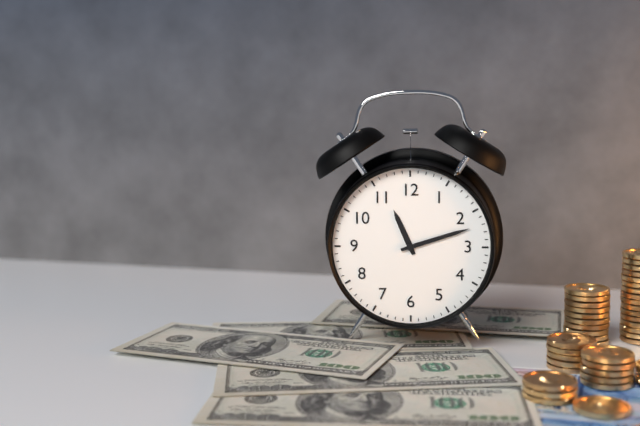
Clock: 11 h 12 min
